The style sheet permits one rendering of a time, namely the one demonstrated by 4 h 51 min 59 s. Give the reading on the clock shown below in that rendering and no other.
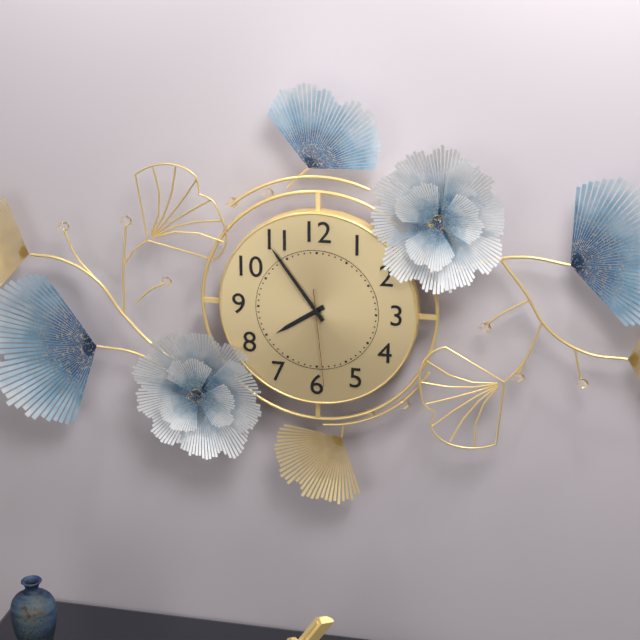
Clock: 7 h 54 min 29 s
